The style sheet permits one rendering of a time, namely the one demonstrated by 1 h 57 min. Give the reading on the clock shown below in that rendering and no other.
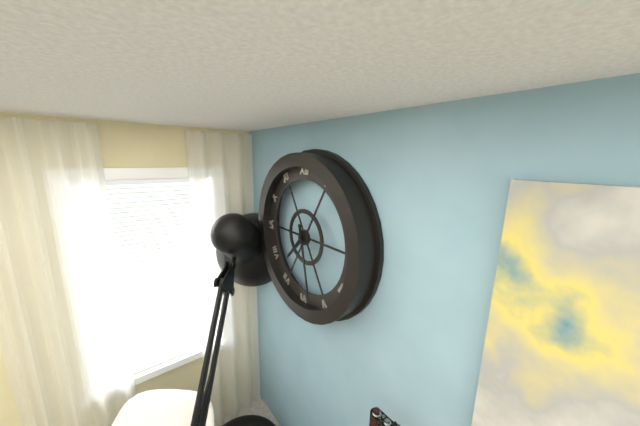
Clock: 7 h 28 min
